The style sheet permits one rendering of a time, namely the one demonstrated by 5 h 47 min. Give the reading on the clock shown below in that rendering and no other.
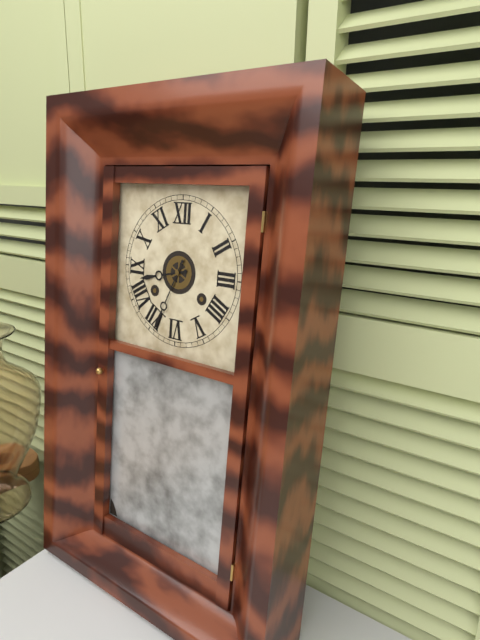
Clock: 8 h 34 min
